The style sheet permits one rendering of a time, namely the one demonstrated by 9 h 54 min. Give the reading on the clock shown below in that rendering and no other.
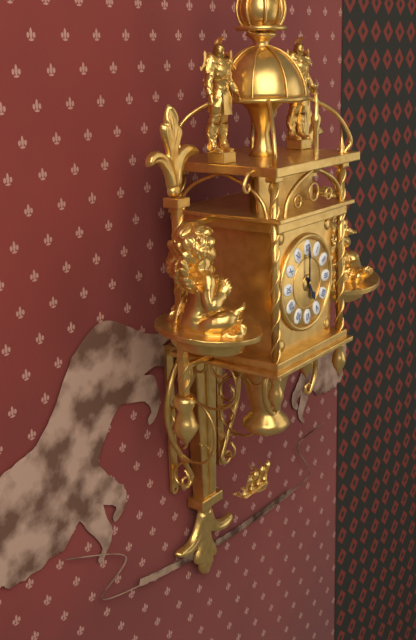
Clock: 5 h 00 min
